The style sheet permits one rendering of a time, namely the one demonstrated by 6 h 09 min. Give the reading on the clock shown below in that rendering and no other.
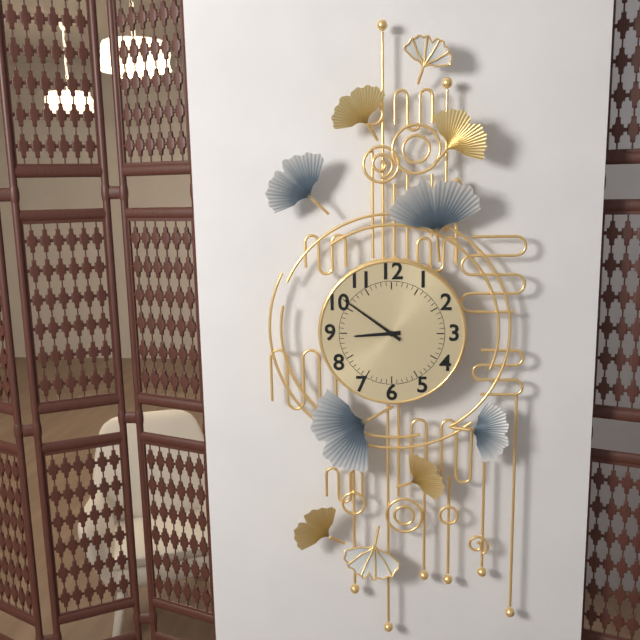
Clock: 8 h 51 min
